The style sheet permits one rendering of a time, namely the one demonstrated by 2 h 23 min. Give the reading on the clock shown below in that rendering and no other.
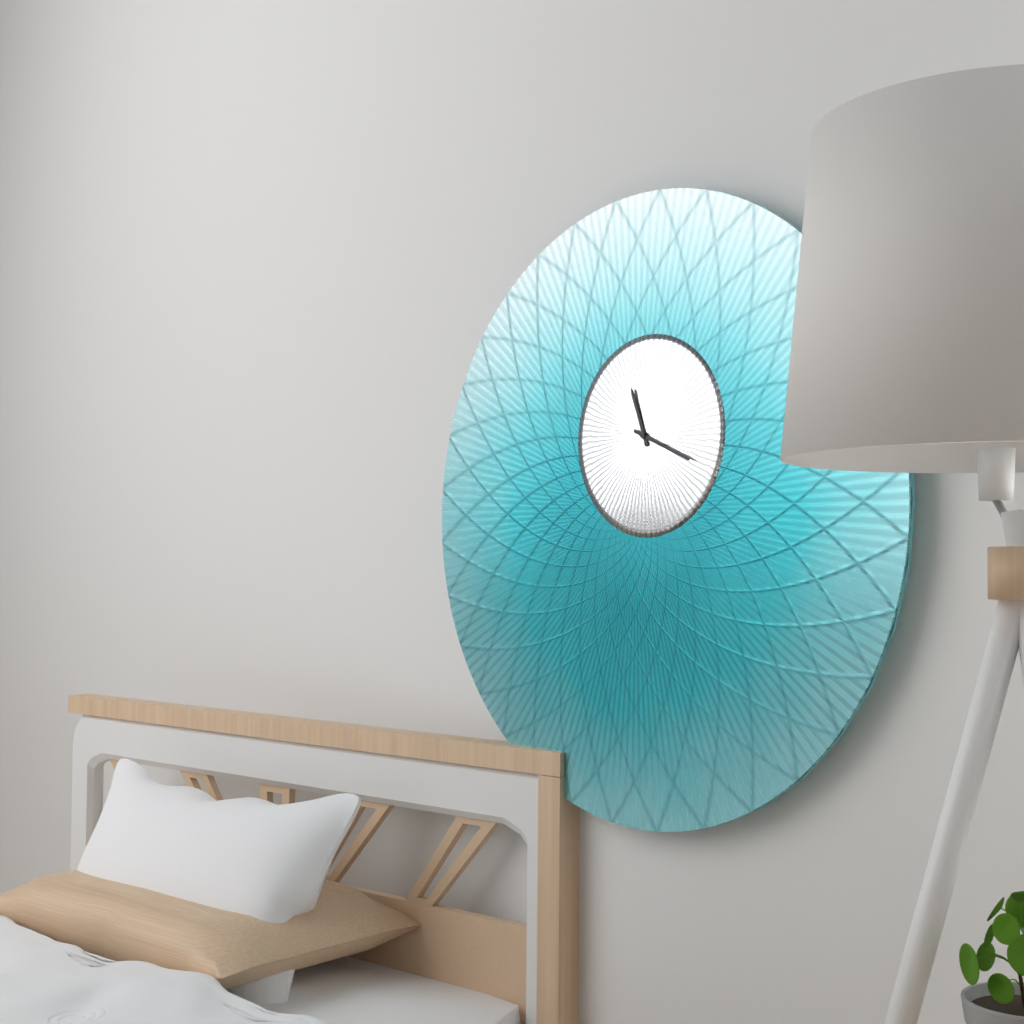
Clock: 11 h 19 min
